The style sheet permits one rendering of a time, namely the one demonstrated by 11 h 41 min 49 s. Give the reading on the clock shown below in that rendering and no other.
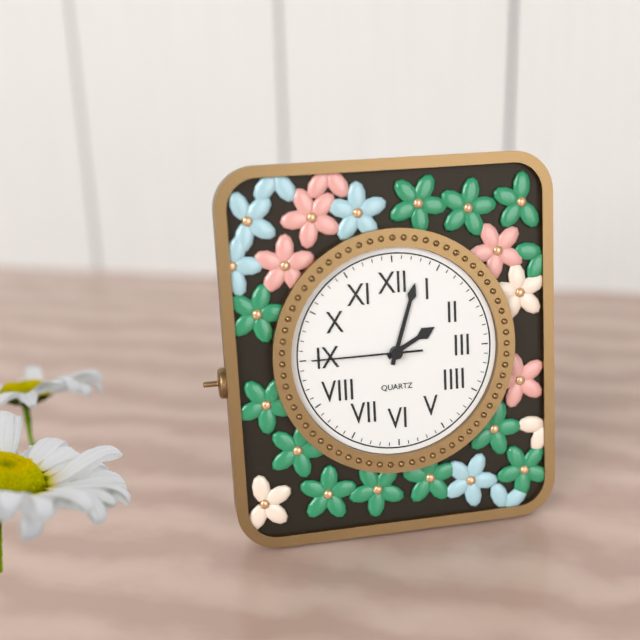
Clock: 2 h 03 min 45 s
